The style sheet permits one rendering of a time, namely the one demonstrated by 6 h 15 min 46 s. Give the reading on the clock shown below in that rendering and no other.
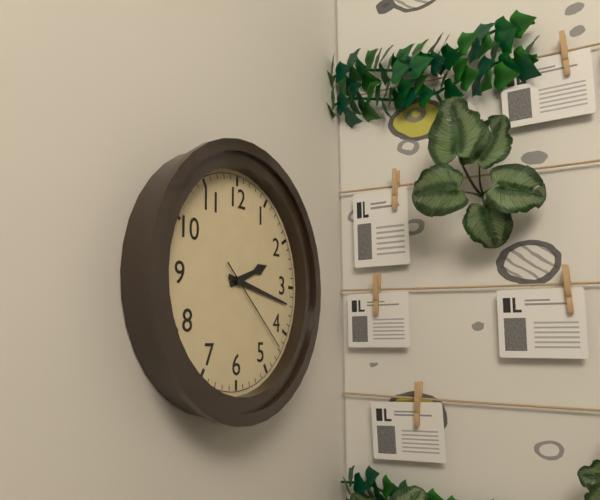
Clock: 2 h 17 min 22 s
